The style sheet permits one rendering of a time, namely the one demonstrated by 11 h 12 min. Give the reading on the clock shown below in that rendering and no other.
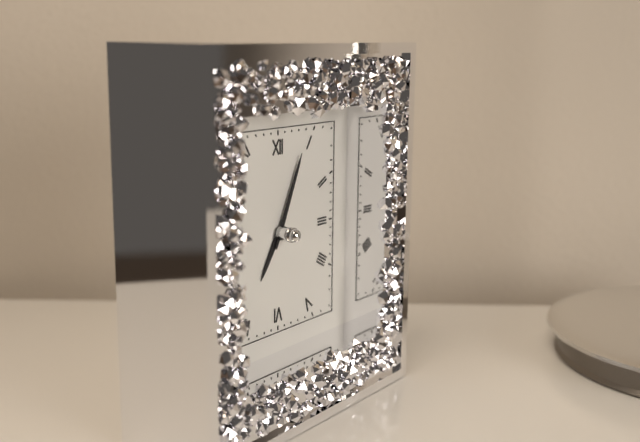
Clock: 7 h 04 min
